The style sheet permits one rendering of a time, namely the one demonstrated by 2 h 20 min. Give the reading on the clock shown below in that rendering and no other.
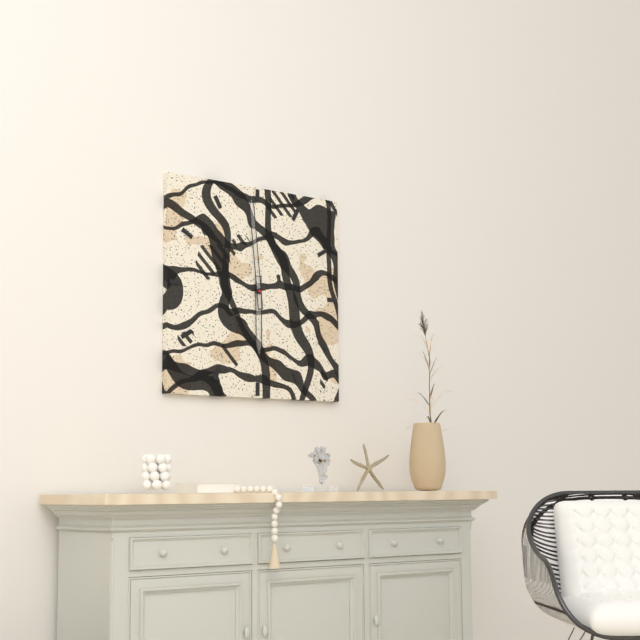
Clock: 5 h 59 min
